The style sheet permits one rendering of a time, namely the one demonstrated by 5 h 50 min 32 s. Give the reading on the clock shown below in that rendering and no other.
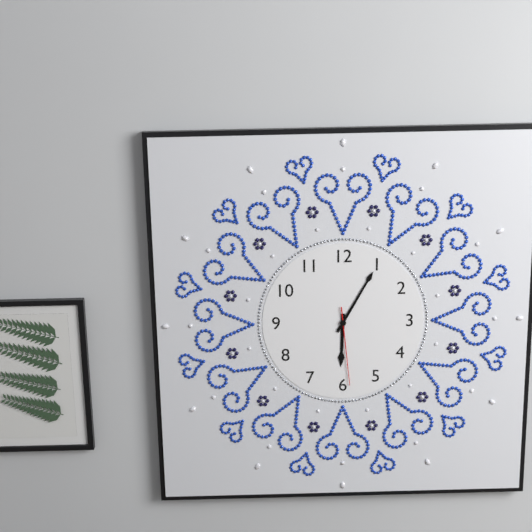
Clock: 6 h 05 min 29 s
